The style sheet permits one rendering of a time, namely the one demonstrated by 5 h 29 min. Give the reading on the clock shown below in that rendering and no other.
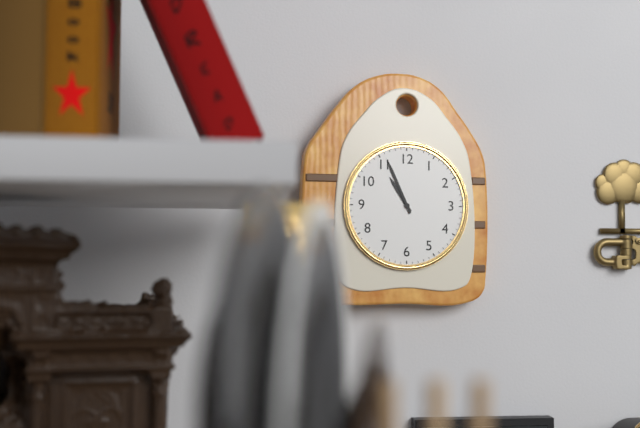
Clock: 10 h 56 min
